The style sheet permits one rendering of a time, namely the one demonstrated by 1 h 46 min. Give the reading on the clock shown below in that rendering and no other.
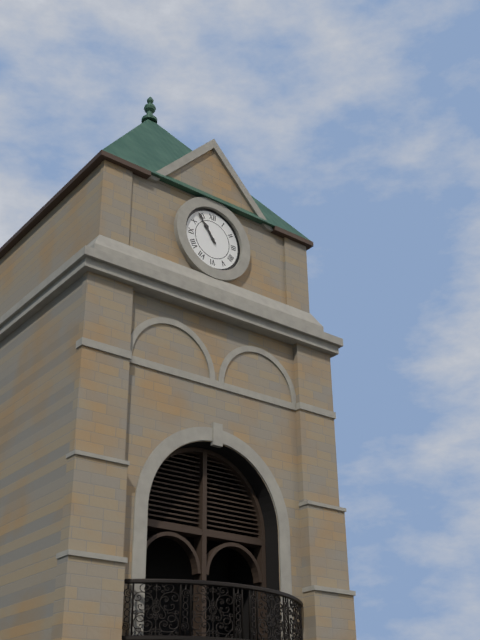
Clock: 10 h 54 min
